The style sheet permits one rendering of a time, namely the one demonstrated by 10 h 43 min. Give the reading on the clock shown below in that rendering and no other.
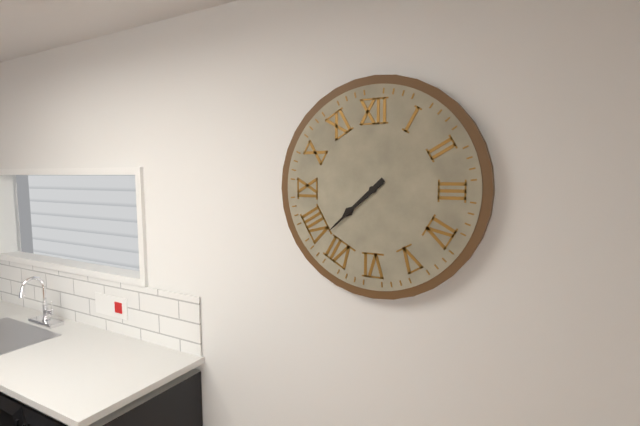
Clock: 7 h 38 min
